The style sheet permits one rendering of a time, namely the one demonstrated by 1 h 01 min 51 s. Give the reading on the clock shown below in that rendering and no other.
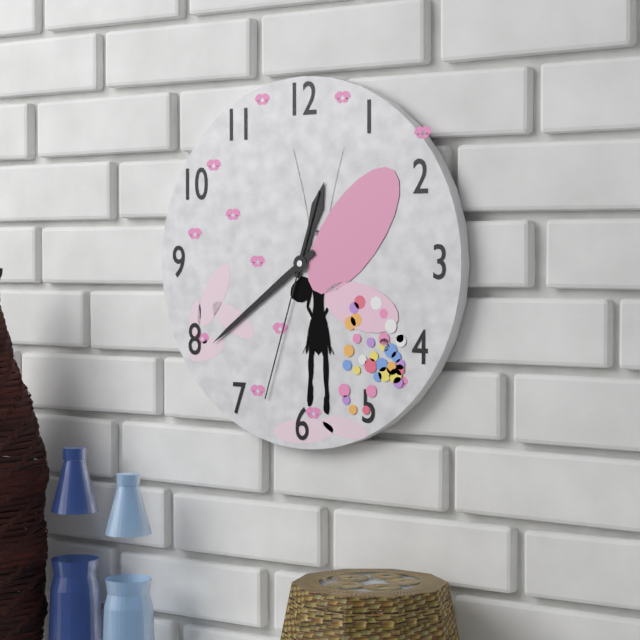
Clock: 12 h 39 min 33 s
